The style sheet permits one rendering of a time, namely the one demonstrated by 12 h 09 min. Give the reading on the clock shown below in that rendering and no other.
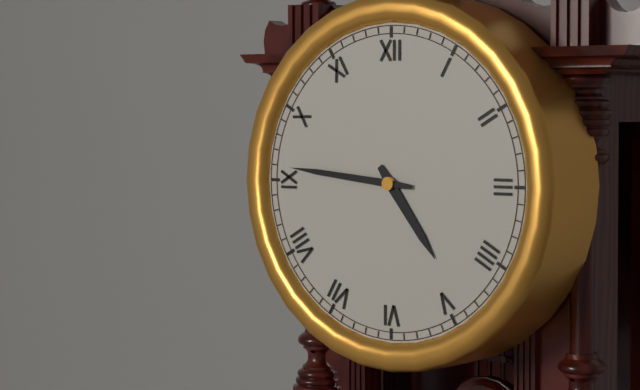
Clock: 4 h 46 min
